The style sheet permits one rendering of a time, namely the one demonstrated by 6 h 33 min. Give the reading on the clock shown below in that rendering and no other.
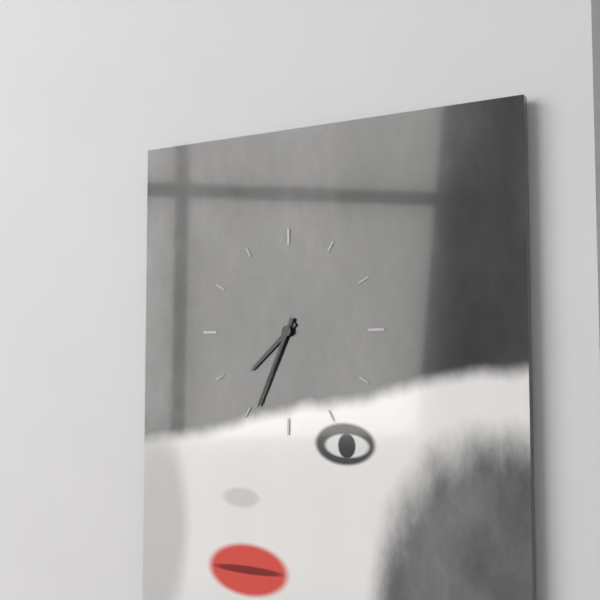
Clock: 7 h 34 min
